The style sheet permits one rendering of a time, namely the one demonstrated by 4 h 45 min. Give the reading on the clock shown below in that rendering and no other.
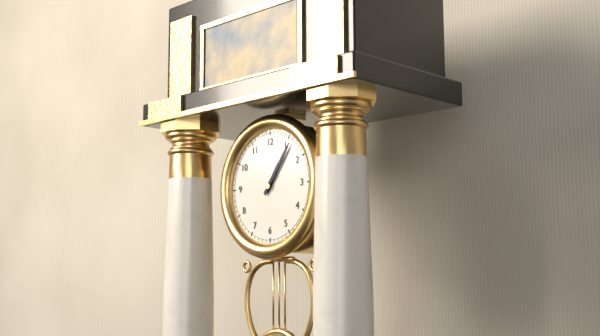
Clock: 1 h 06 min
